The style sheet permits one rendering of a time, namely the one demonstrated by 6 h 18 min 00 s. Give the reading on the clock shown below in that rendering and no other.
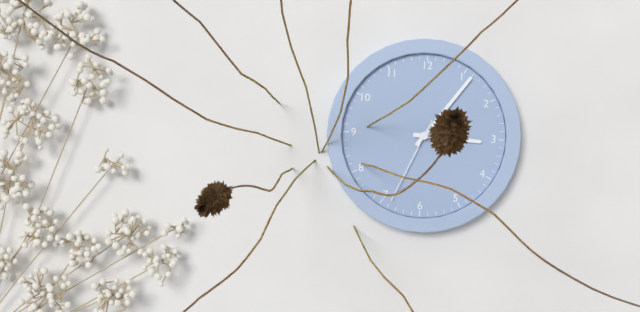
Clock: 3 h 06 min 34 s
